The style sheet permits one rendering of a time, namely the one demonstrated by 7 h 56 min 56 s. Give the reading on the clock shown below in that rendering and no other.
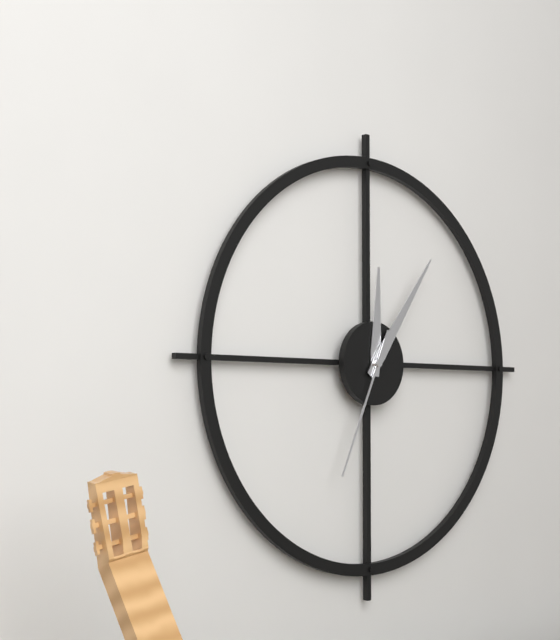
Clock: 12 h 06 min 34 s
